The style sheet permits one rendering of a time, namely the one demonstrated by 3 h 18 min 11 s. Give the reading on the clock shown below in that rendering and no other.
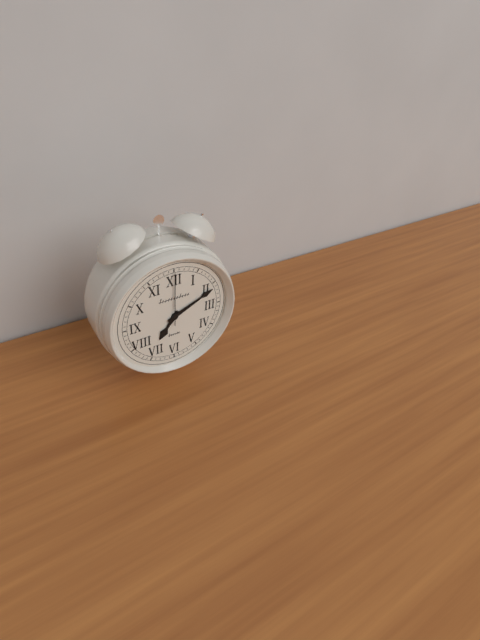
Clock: 7 h 11 min 00 s
